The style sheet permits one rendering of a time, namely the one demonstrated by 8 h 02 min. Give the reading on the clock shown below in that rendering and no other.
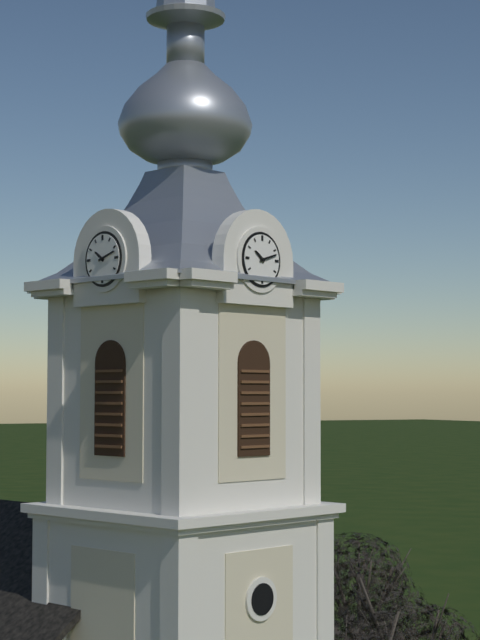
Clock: 10 h 12 min
